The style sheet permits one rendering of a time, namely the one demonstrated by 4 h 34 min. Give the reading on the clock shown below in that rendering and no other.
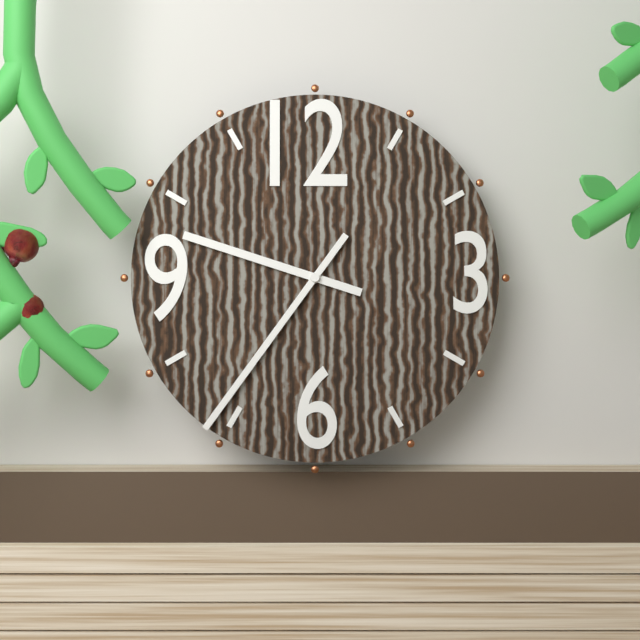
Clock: 9 h 36 min
